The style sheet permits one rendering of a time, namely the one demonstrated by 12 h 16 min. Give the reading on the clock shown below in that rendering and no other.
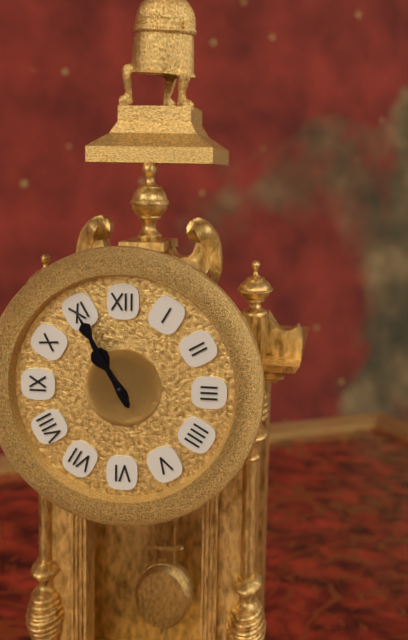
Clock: 10 h 55 min
